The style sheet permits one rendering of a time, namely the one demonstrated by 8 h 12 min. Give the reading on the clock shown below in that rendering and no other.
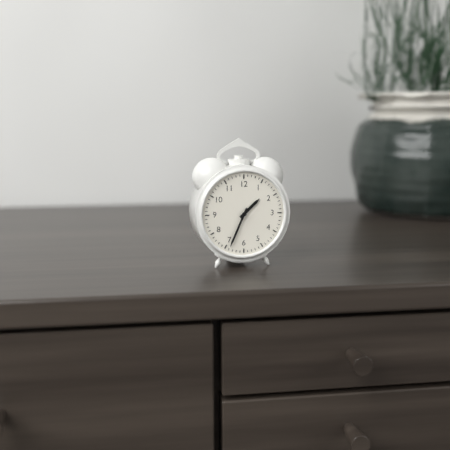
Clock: 1 h 34 min
